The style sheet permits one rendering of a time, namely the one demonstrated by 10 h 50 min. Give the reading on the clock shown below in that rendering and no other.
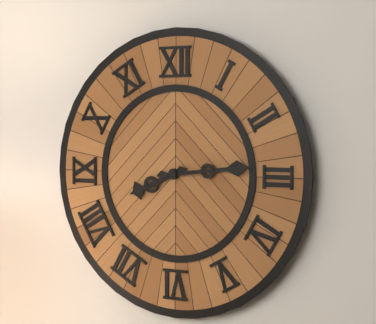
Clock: 8 h 14 min
